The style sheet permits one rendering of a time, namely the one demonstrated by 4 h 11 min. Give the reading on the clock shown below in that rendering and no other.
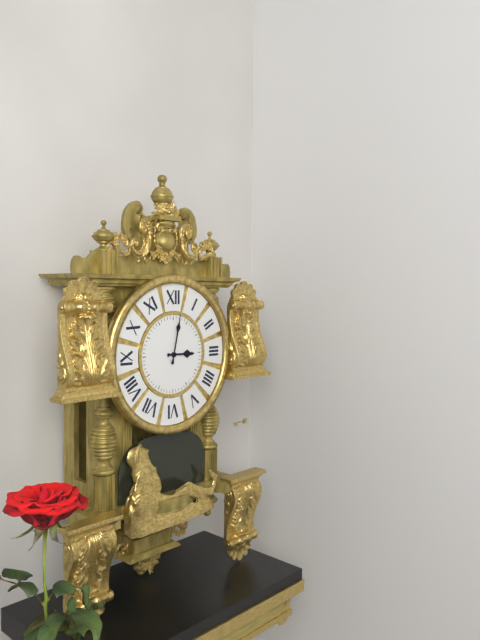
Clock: 3 h 02 min
